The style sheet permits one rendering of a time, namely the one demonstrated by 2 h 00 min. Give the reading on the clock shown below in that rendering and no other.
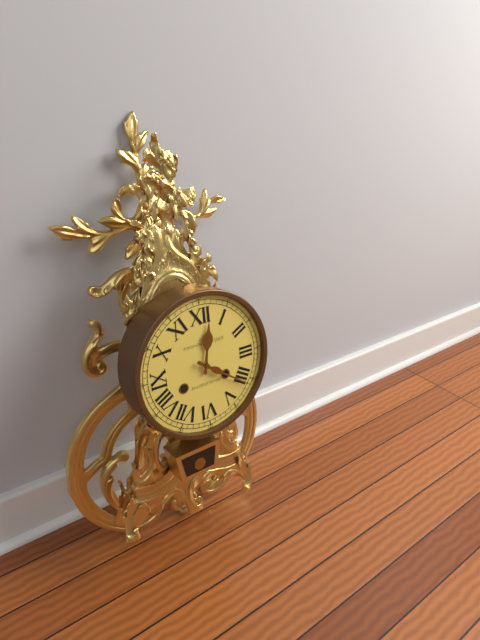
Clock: 12 h 21 min
